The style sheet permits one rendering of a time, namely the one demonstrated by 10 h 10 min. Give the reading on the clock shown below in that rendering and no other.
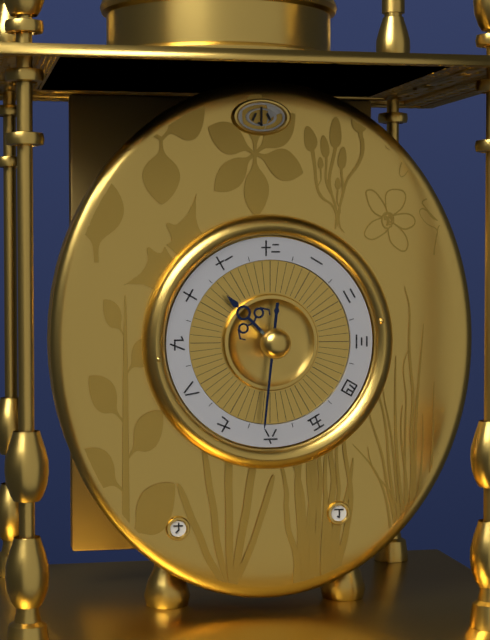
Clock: 10 h 31 min
